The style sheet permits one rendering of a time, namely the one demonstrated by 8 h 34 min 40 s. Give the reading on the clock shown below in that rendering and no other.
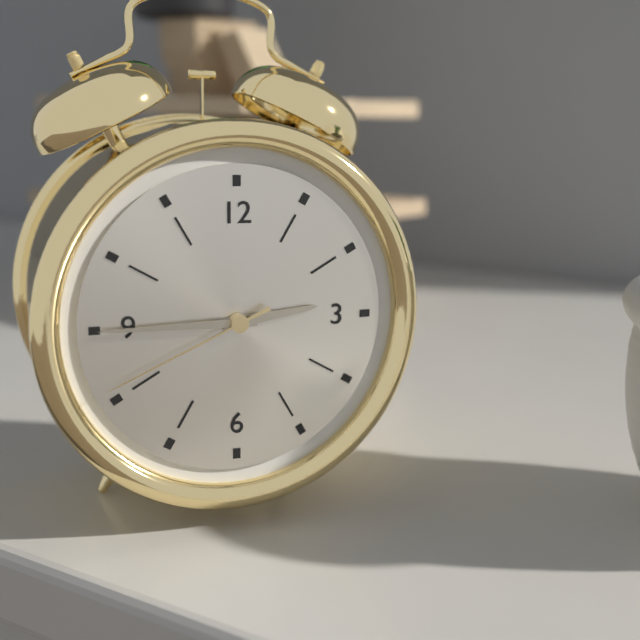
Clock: 2 h 45 min 41 s
